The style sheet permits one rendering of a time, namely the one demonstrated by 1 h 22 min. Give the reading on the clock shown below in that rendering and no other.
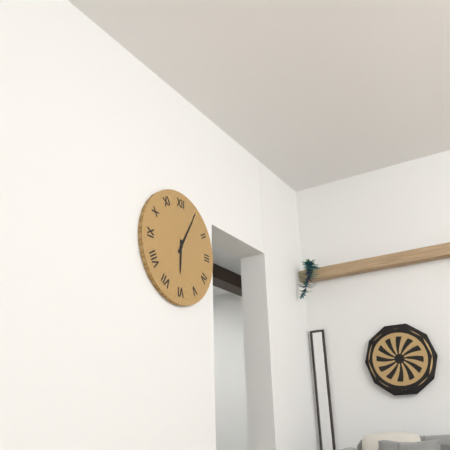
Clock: 6 h 05 min
